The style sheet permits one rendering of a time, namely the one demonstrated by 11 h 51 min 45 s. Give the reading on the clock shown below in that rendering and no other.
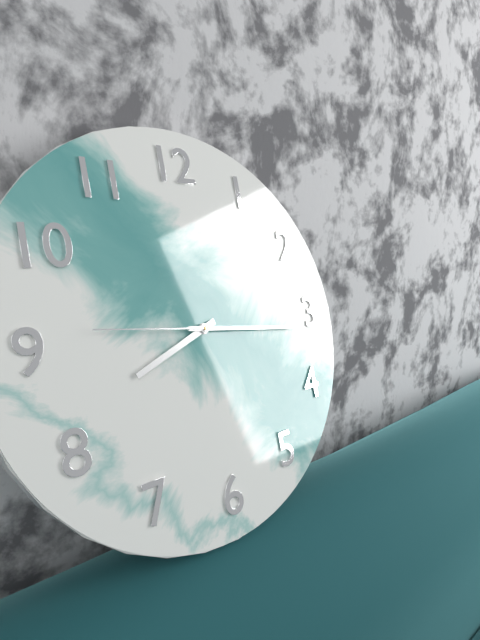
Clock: 8 h 16 min 46 s
